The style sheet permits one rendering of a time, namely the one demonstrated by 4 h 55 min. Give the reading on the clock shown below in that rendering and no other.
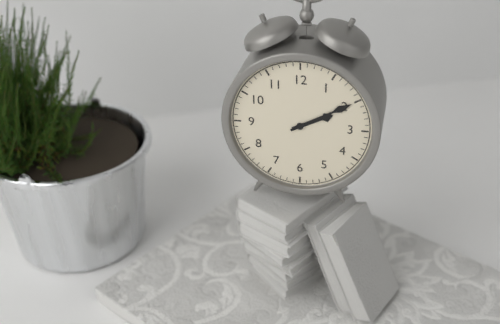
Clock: 2 h 10 min
